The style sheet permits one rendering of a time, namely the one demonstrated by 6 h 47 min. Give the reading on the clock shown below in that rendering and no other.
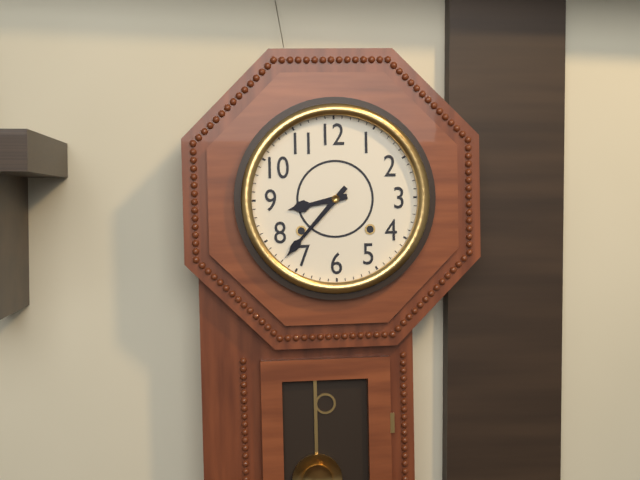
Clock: 8 h 37 min
